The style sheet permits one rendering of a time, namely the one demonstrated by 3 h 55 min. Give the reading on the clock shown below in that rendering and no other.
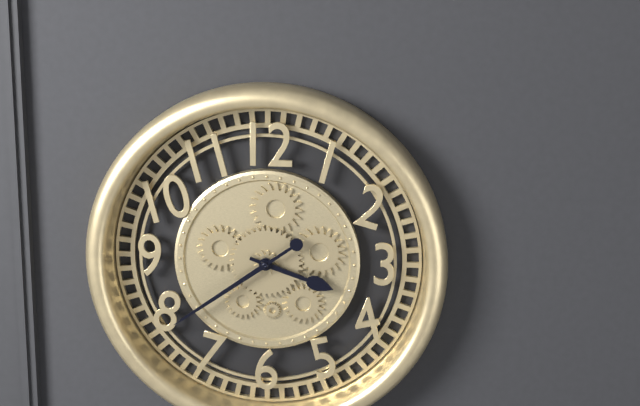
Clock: 3 h 39 min
